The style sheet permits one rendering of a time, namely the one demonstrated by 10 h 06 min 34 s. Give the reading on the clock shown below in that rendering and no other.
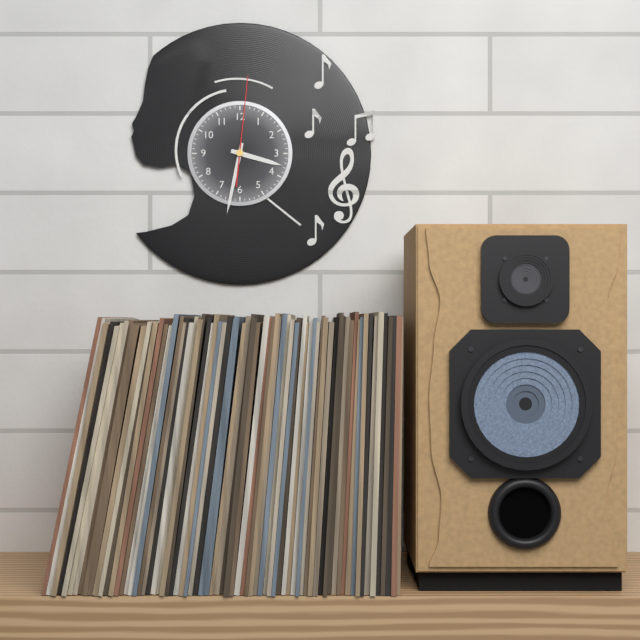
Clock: 3 h 32 min 01 s
